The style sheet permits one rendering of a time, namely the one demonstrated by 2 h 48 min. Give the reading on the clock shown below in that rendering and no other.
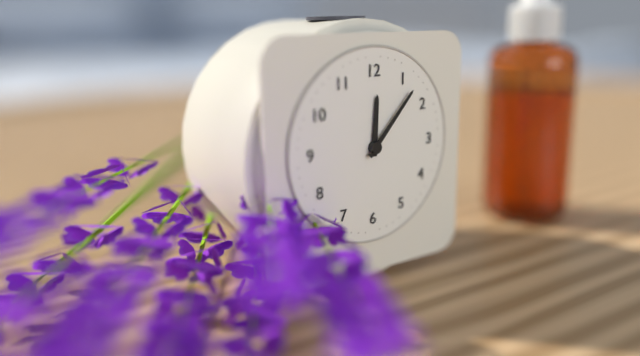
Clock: 12 h 07 min
